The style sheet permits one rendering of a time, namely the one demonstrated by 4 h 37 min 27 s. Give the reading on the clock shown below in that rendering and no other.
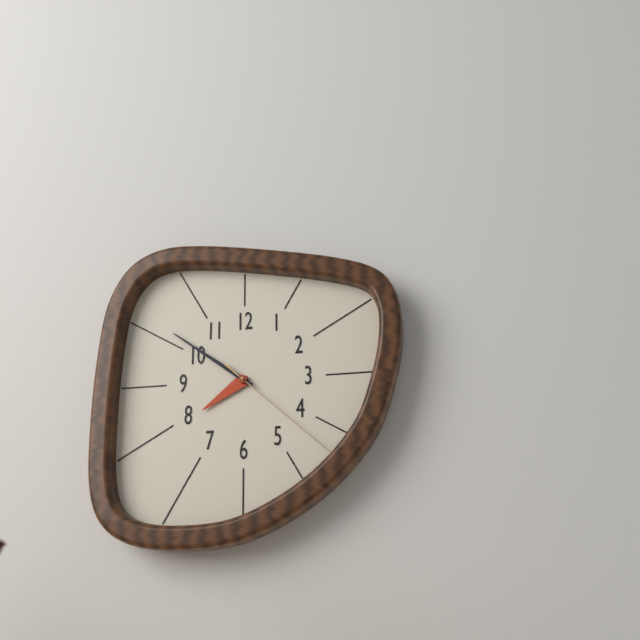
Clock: 7 h 51 min 22 s
